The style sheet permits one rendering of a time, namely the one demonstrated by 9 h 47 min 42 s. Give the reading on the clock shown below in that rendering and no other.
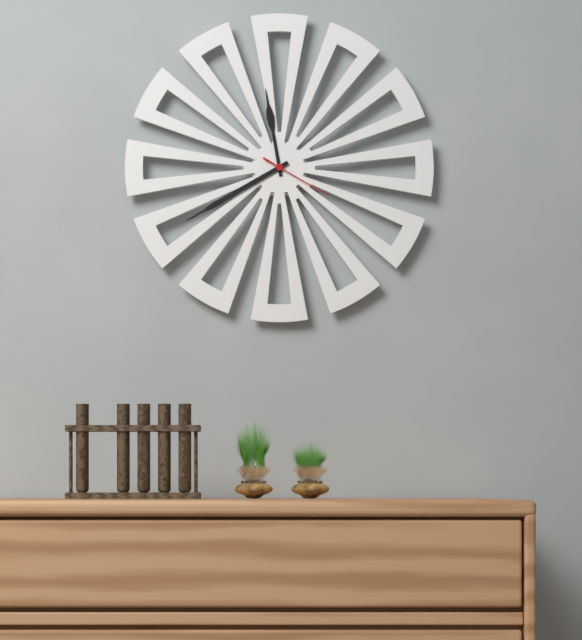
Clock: 11 h 40 min 20 s
